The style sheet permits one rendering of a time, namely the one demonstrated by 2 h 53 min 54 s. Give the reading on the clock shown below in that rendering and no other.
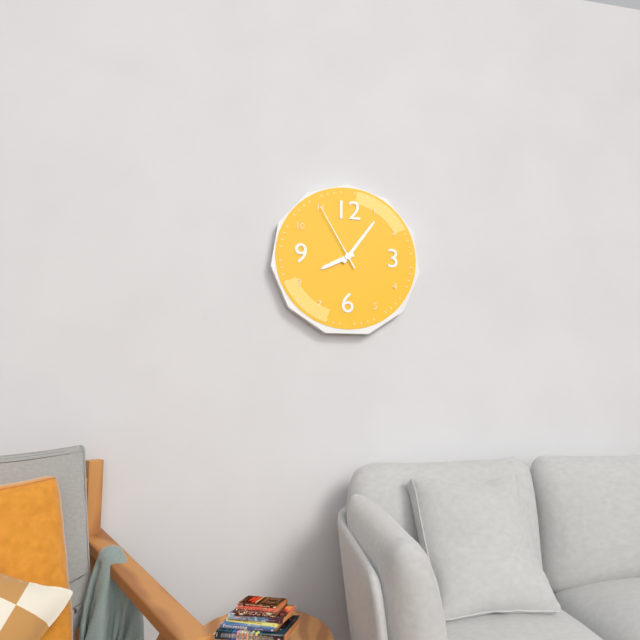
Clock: 8 h 06 min 55 s
